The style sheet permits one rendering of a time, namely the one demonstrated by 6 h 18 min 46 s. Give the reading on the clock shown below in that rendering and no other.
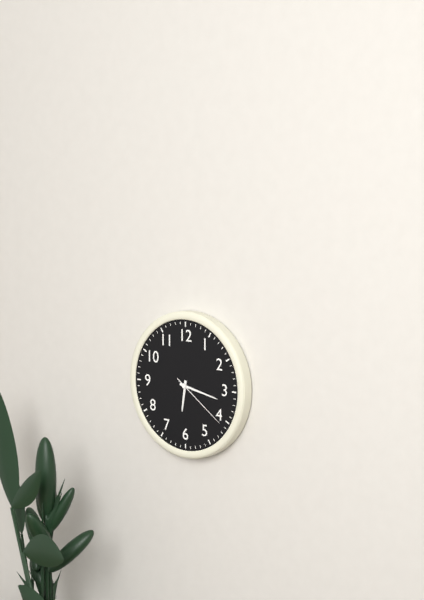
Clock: 6 h 17 min 21 s
